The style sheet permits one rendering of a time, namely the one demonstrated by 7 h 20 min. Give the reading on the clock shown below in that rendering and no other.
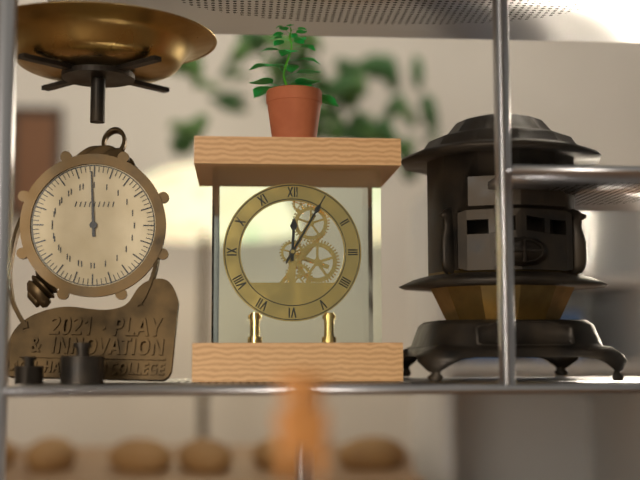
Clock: 12 h 05 min
